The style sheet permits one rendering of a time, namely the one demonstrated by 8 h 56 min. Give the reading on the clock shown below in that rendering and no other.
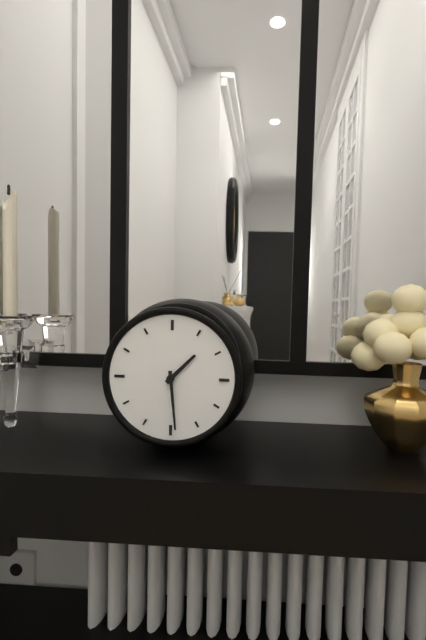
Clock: 1 h 29 min
